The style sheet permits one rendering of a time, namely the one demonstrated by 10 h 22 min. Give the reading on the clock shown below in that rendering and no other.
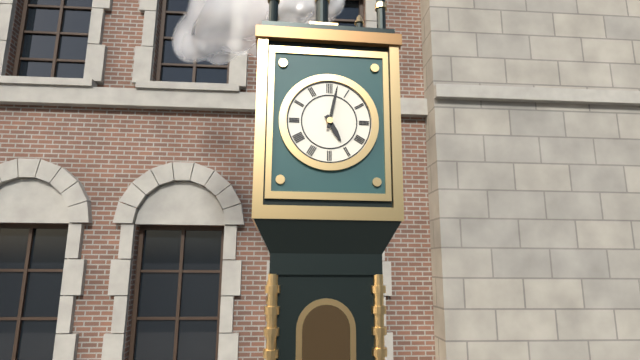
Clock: 5 h 02 min
